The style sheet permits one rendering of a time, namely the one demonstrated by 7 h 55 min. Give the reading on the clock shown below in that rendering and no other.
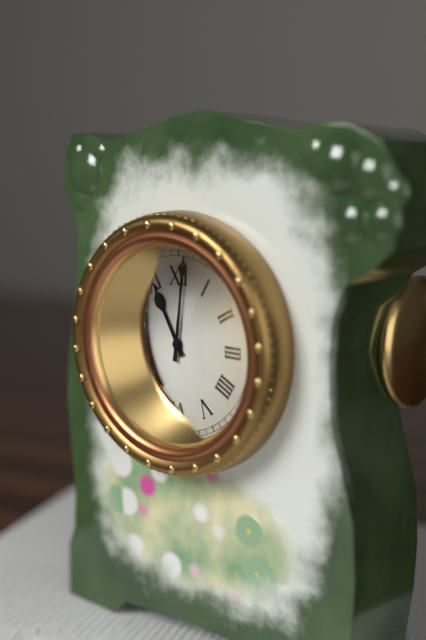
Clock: 11 h 01 min
